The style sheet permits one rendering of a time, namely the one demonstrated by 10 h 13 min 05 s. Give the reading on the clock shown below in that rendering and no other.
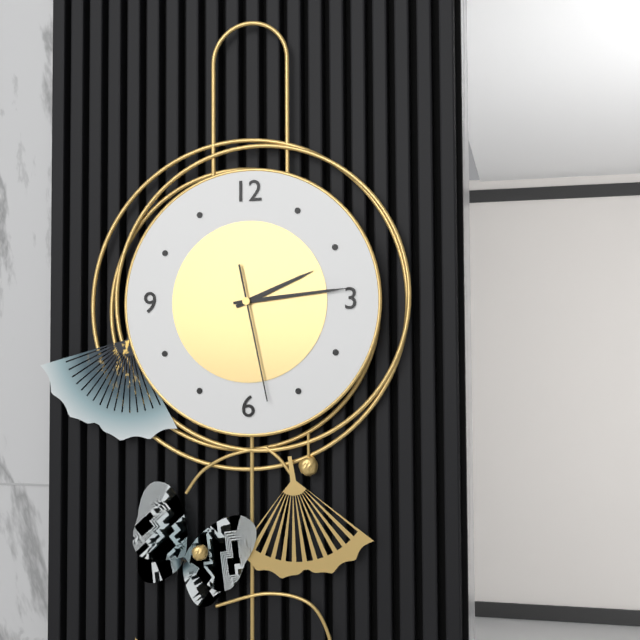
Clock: 2 h 14 min 28 s
